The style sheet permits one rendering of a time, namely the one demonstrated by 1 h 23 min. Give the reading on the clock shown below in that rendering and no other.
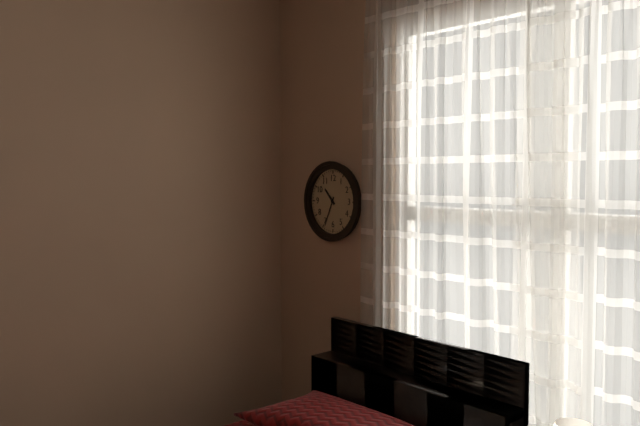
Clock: 10 h 34 min
